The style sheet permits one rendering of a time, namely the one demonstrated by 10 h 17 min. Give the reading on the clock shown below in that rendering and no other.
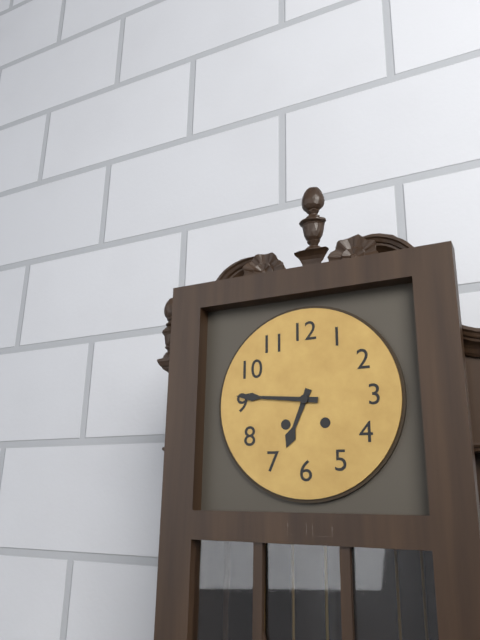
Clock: 6 h 46 min
